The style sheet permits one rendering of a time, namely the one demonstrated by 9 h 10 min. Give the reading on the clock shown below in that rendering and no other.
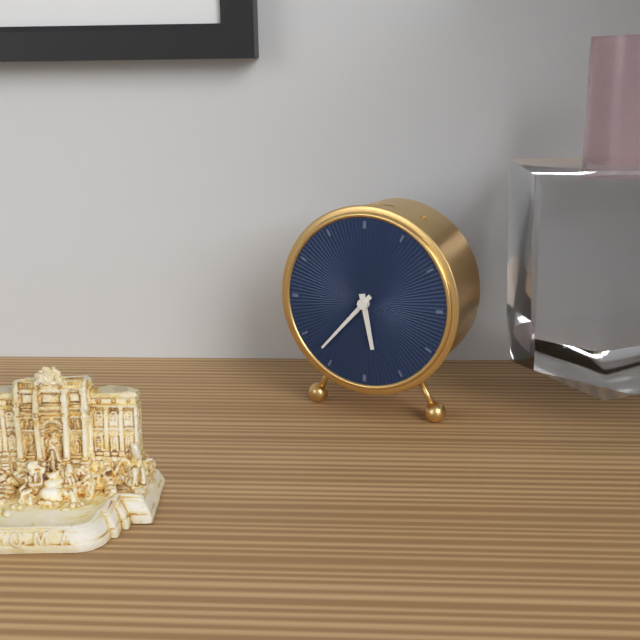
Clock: 5 h 37 min
